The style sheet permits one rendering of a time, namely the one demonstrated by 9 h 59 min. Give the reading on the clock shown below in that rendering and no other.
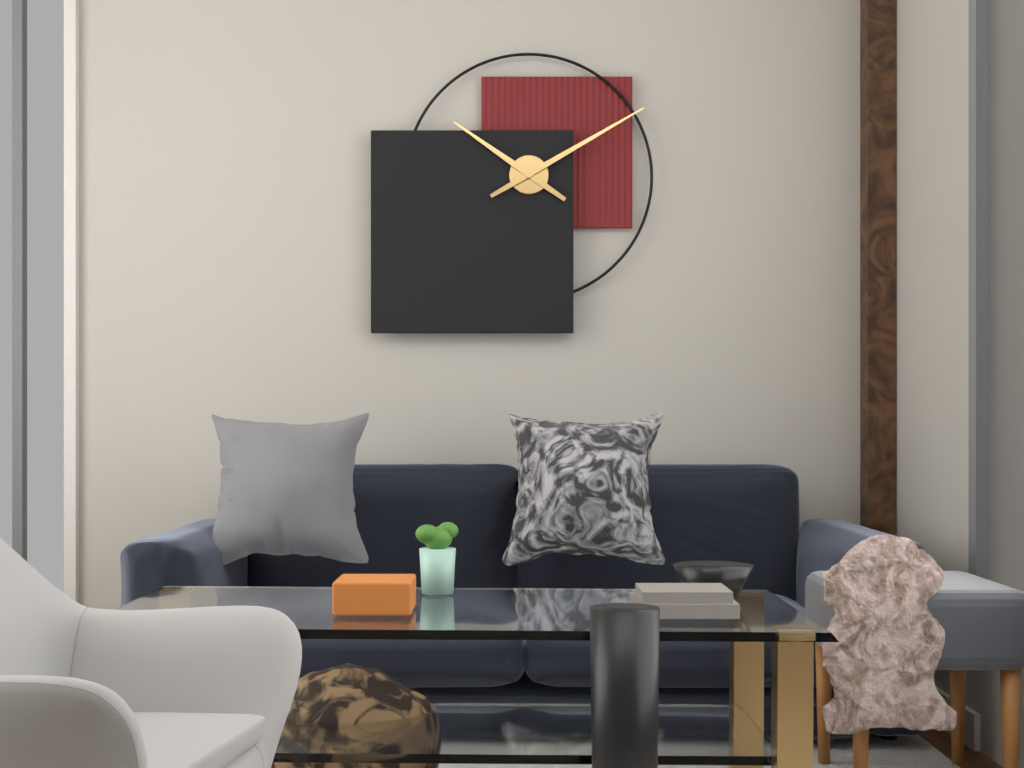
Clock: 10 h 10 min
